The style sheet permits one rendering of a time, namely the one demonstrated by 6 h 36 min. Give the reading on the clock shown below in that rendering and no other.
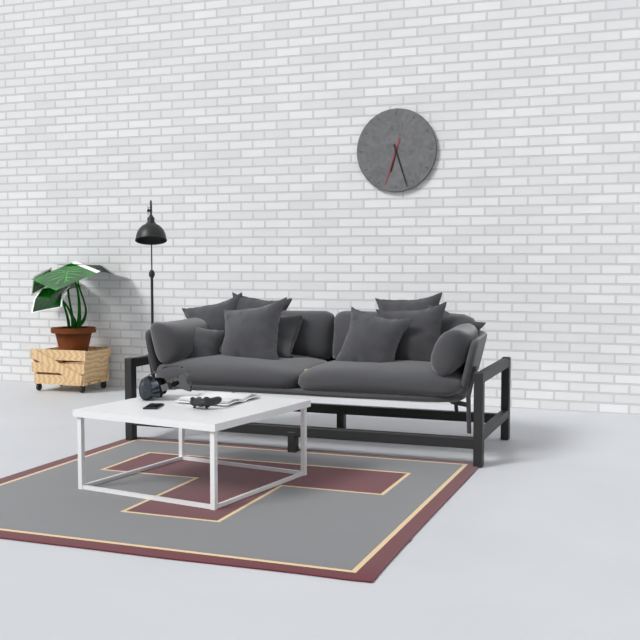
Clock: 6 h 27 min
